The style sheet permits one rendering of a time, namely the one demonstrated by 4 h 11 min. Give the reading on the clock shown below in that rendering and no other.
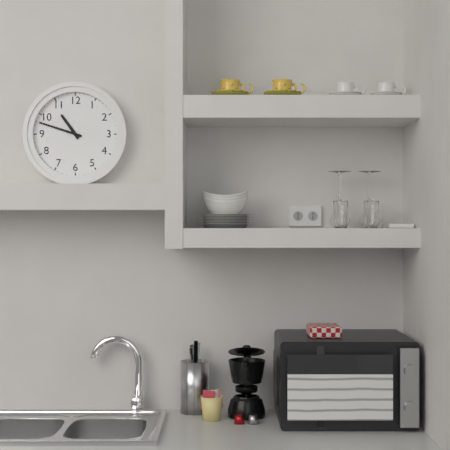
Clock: 10 h 48 min
